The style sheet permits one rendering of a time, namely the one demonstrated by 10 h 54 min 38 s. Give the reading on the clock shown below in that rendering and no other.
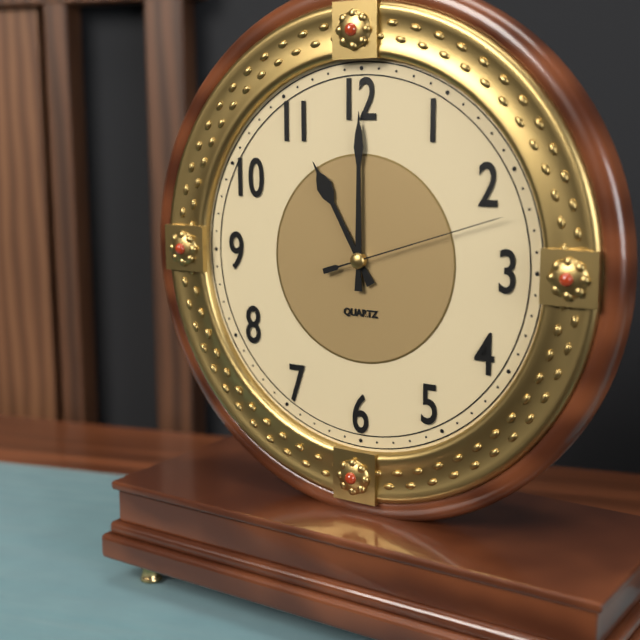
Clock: 11 h 00 min 12 s
